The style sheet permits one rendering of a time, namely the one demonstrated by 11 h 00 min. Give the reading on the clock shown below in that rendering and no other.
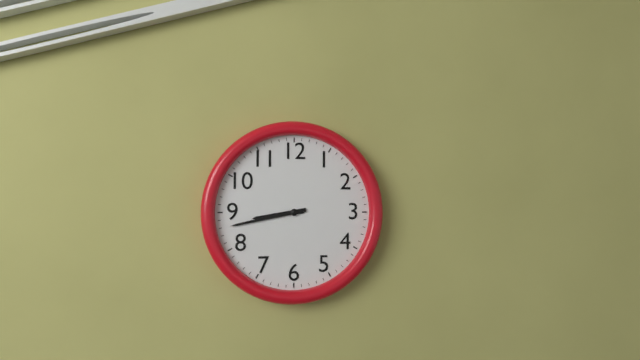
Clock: 8 h 43 min
